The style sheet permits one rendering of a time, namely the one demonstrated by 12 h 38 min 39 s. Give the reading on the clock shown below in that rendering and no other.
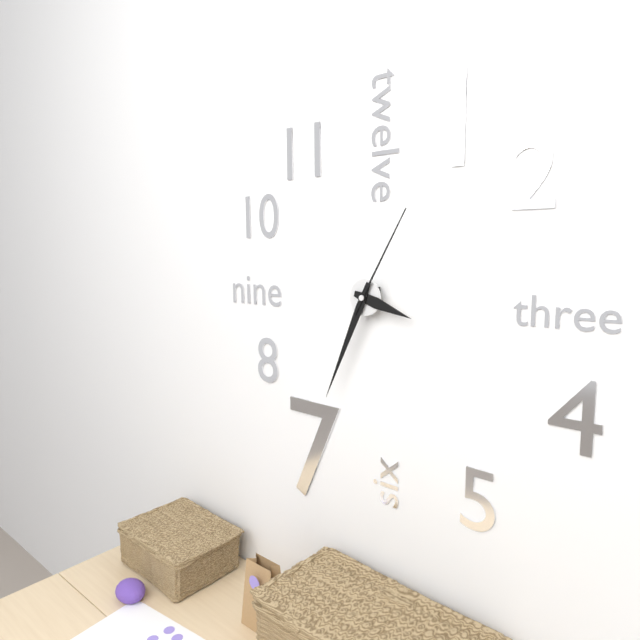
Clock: 3 h 34 min 05 s
